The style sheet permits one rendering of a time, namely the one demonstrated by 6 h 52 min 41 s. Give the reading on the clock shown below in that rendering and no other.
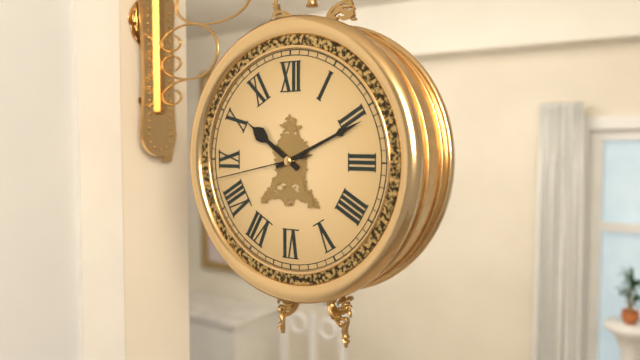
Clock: 10 h 11 min 43 s
